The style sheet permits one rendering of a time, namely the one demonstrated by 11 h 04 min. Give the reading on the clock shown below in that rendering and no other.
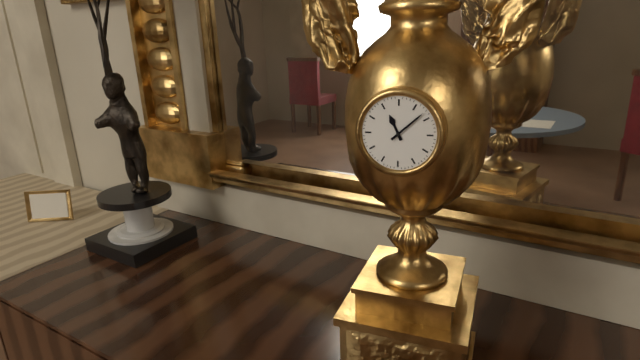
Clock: 11 h 08 min
